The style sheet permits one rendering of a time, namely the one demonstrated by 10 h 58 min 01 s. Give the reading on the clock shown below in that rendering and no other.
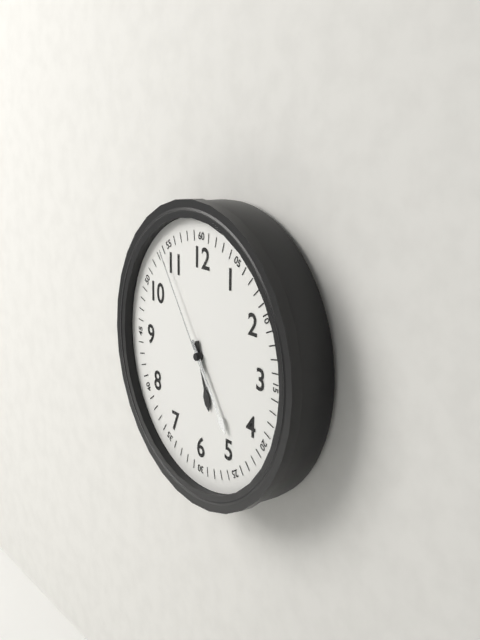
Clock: 5 h 24 min 54 s
